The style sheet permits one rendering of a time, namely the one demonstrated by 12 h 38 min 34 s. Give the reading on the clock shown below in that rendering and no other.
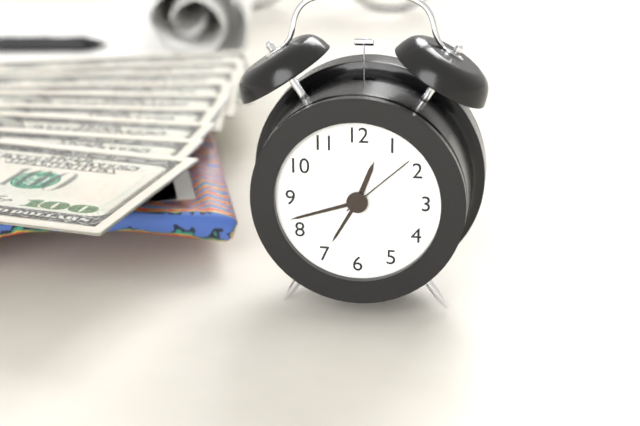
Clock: 12 h 42 min 08 s
